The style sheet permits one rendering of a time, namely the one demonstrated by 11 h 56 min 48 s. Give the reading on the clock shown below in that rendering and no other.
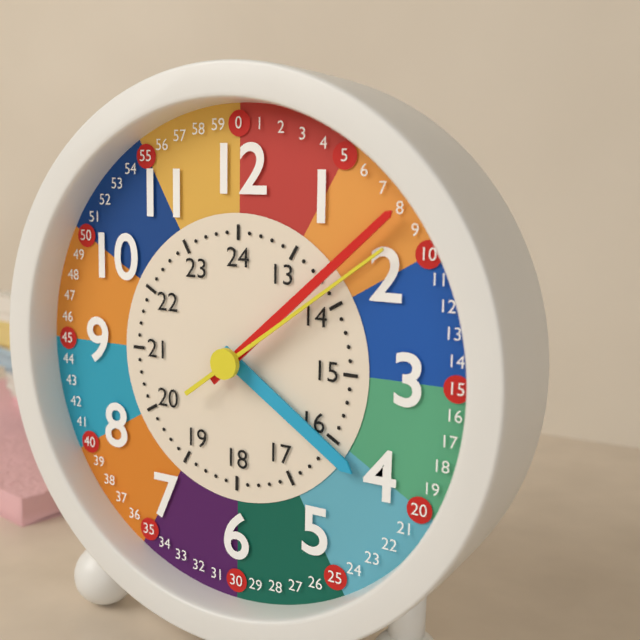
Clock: 4 h 08 min 09 s
